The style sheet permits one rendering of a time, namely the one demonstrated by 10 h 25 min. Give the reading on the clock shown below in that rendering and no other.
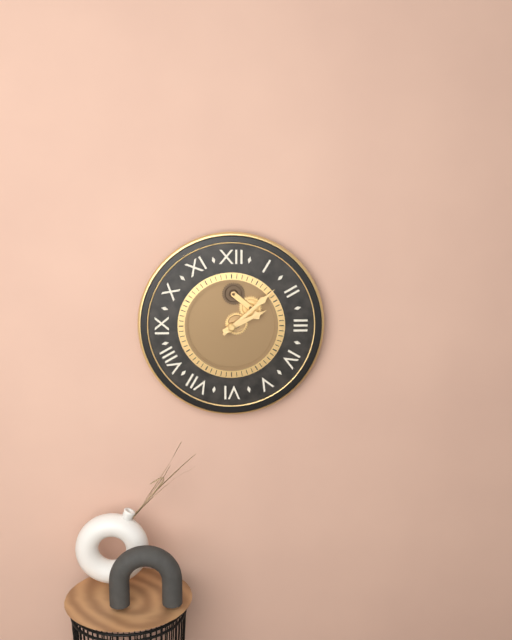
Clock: 2 h 08 min
